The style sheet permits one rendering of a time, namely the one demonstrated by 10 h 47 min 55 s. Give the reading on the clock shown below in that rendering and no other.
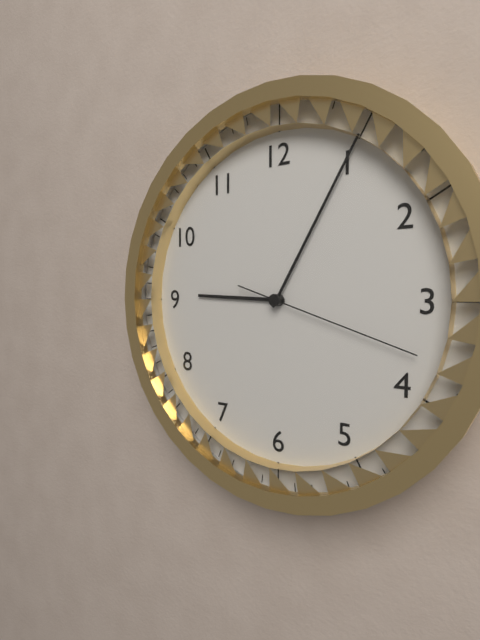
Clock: 9 h 05 min 18 s
